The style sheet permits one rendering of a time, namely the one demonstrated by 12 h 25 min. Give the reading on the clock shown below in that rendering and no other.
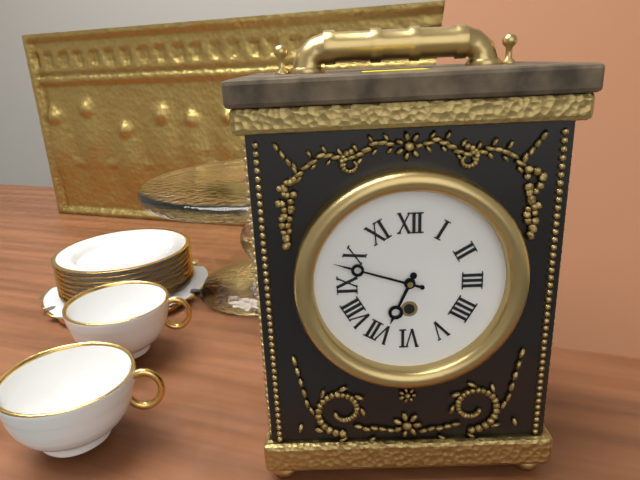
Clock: 6 h 48 min
